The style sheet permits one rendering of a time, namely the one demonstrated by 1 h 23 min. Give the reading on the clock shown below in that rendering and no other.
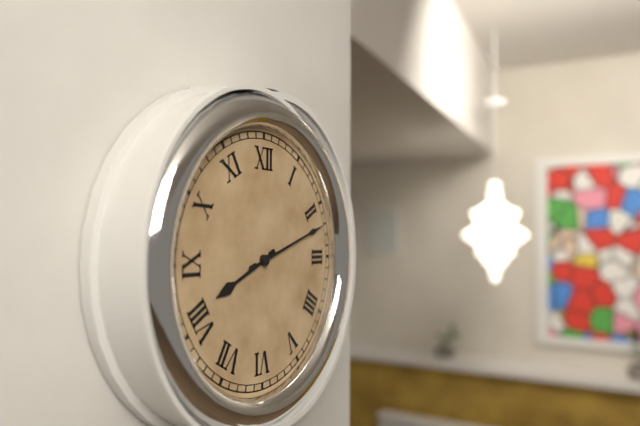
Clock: 8 h 12 min
